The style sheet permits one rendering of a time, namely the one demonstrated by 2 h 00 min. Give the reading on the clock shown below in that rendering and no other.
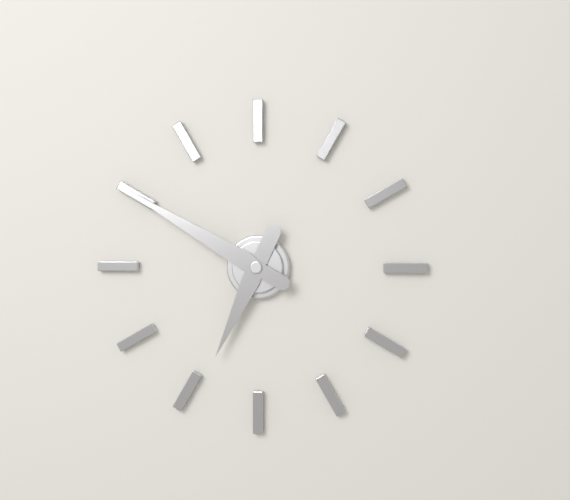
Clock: 6 h 50 min
